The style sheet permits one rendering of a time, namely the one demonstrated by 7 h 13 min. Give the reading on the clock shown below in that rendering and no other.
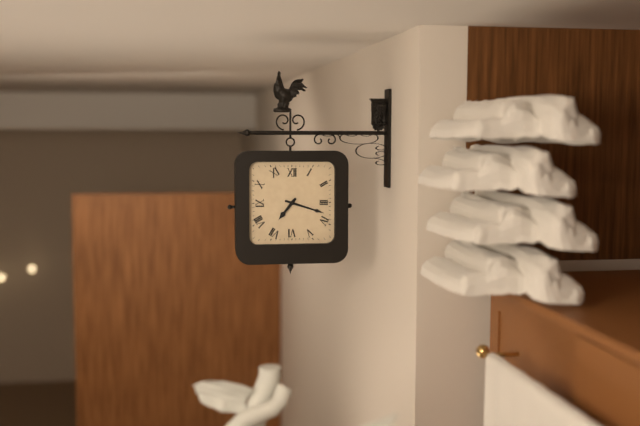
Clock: 7 h 18 min
